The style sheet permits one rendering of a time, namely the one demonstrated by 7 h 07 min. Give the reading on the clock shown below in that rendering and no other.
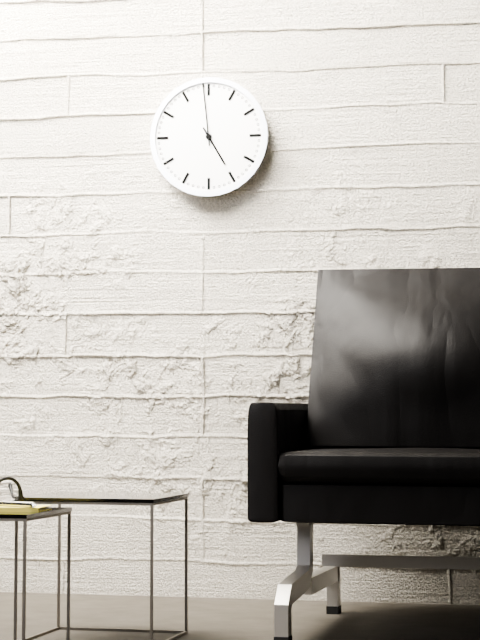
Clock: 4 h 59 min
